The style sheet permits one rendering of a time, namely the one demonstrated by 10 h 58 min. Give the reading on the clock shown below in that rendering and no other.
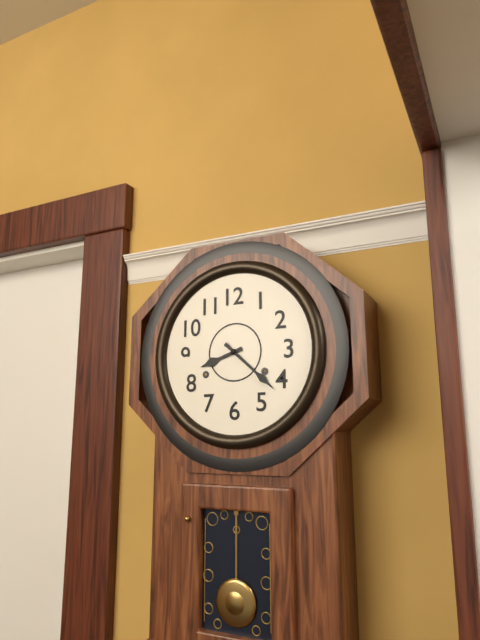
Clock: 8 h 22 min
